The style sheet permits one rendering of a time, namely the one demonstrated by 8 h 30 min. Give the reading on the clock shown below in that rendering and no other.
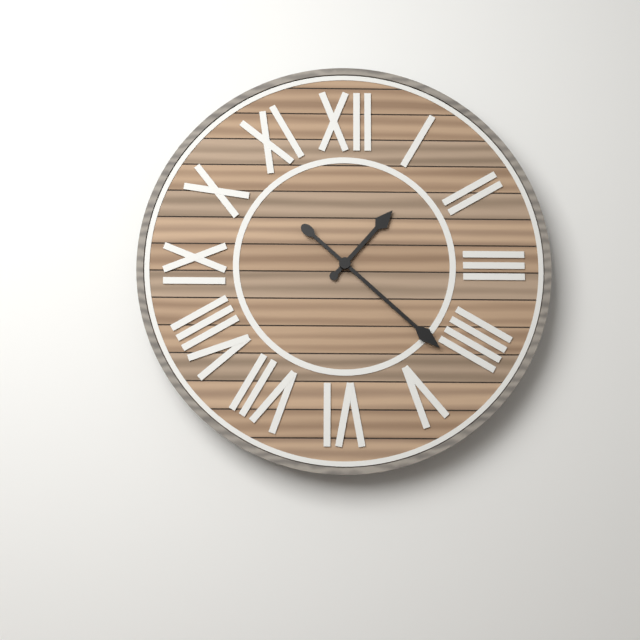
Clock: 1 h 22 min
